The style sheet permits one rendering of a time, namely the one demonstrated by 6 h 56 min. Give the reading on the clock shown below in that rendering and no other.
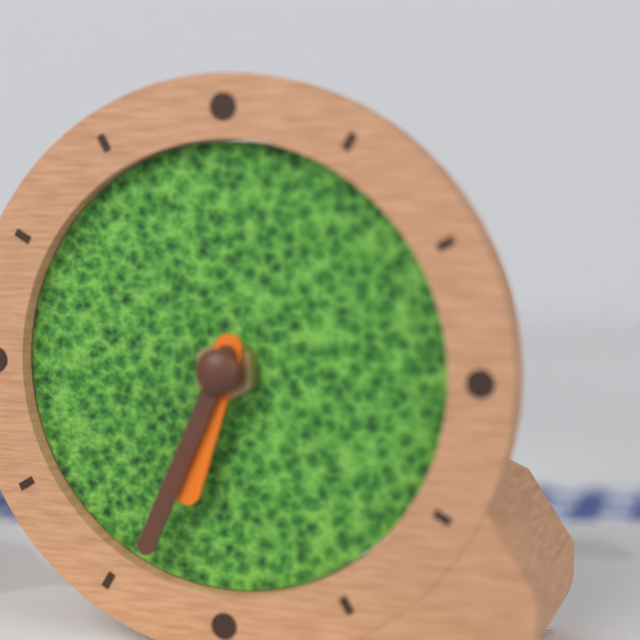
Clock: 6 h 34 min
